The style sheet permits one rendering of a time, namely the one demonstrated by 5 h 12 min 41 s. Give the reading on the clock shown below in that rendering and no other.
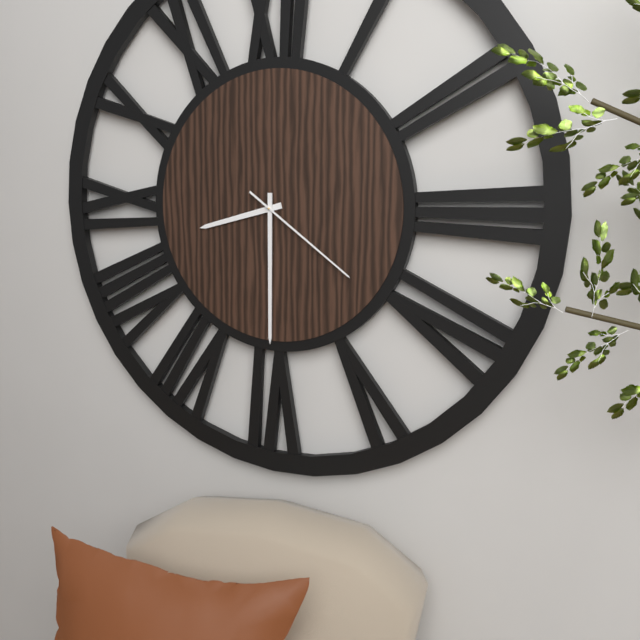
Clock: 8 h 30 min 21 s
